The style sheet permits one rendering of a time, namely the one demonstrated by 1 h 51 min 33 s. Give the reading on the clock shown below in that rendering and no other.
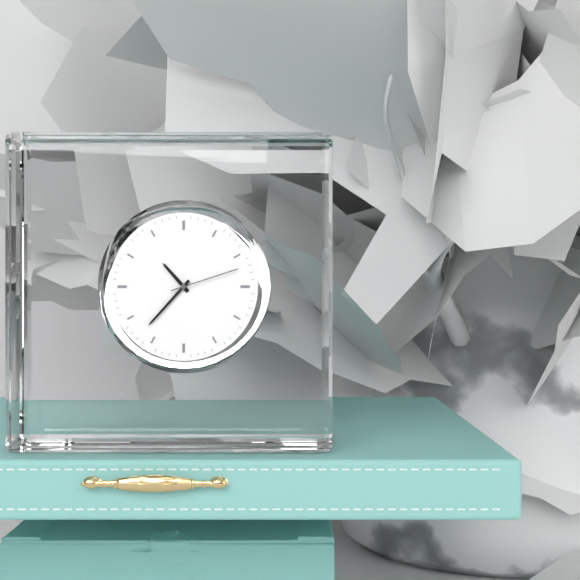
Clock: 10 h 37 min 12 s
